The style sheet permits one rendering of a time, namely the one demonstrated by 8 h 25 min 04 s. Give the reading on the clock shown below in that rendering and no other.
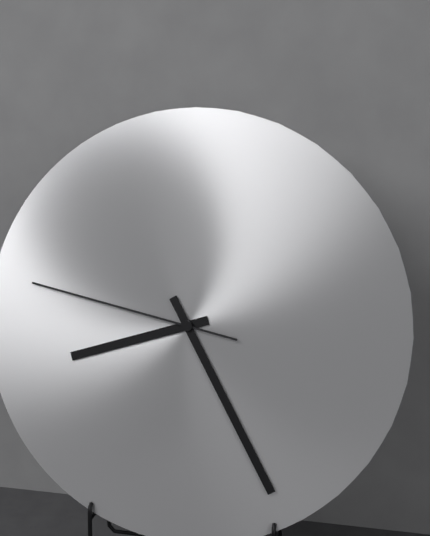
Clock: 8 h 25 min 47 s
